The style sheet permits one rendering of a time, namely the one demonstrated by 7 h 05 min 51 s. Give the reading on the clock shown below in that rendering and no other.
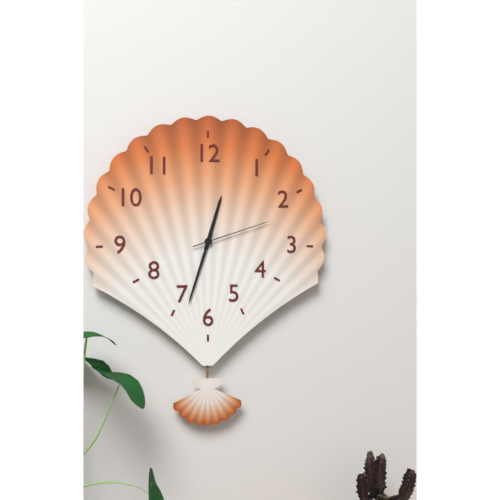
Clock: 12 h 33 min 12 s
